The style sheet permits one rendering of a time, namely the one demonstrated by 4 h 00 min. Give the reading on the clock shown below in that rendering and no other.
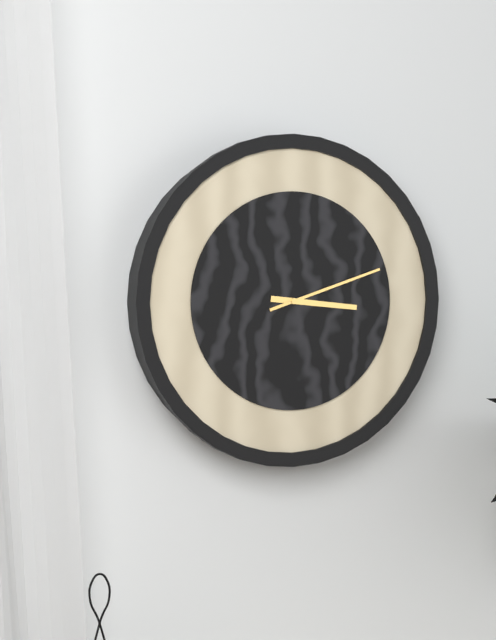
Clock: 3 h 12 min
